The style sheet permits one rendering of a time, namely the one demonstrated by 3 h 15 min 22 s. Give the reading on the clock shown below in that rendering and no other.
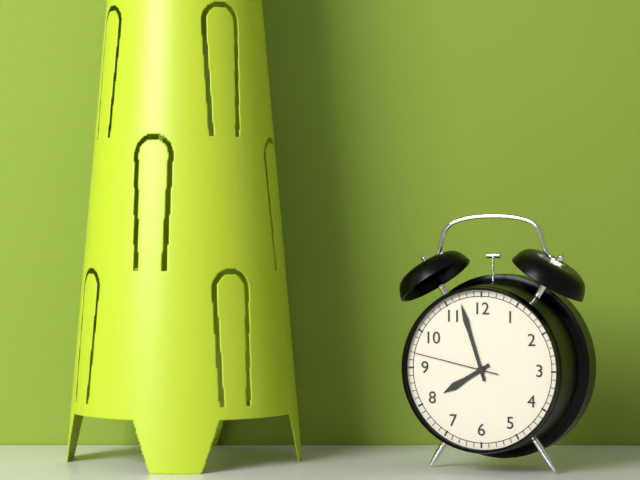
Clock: 7 h 57 min 47 s
